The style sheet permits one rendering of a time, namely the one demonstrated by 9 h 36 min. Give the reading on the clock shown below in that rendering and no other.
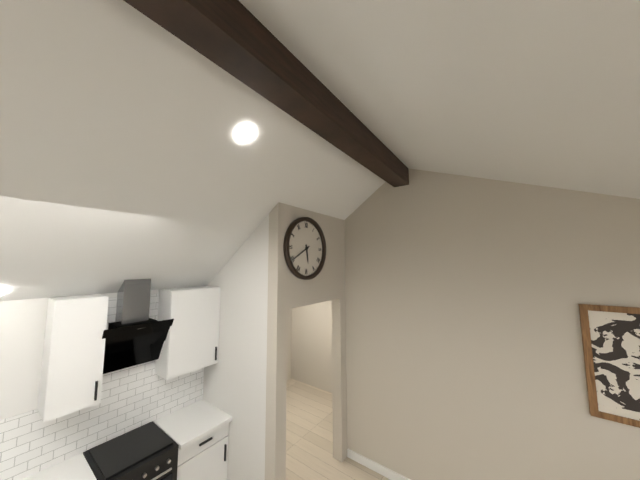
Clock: 5 h 40 min
